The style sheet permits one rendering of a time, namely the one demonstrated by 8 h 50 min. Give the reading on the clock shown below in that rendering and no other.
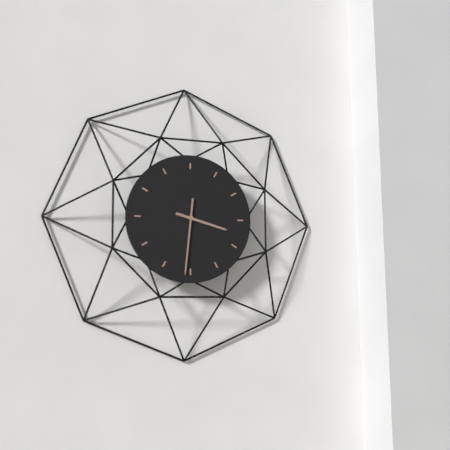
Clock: 3 h 31 min
